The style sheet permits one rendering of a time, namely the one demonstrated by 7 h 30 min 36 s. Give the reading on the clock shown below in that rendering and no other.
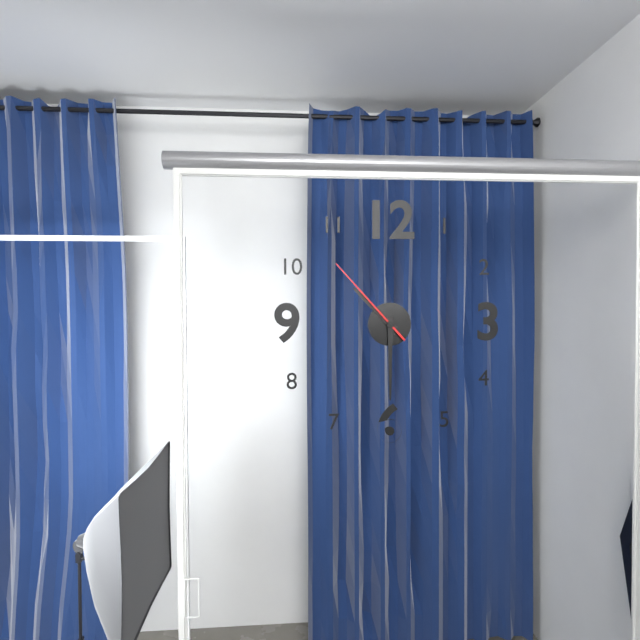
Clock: 10 h 30 min 53 s
